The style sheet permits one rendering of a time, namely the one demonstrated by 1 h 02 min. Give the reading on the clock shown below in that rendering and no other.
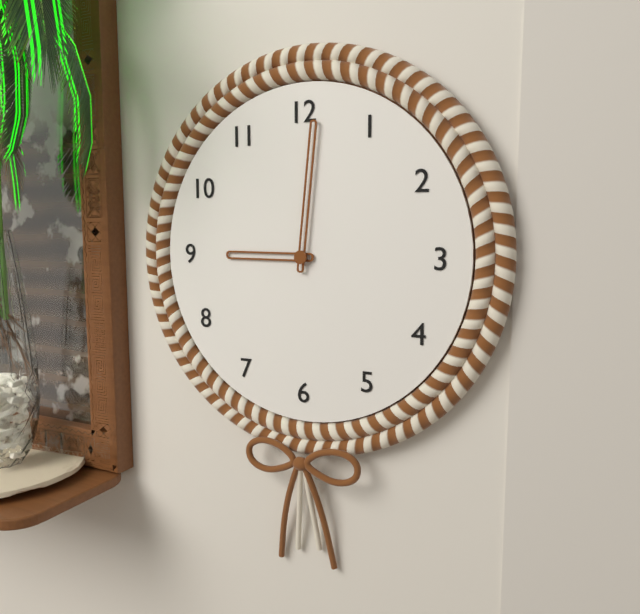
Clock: 9 h 01 min
